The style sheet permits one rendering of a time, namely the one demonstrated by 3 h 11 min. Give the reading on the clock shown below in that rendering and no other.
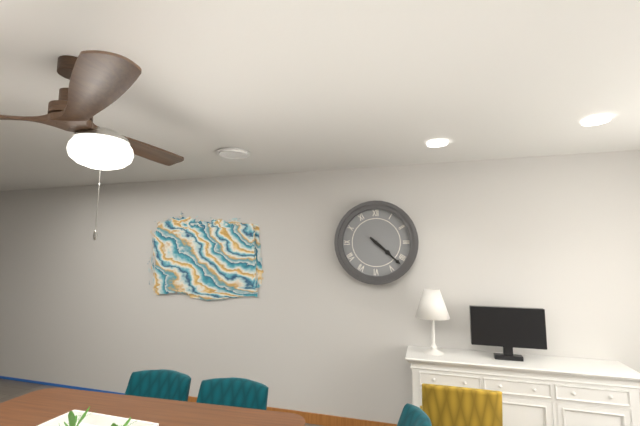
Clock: 4 h 22 min
